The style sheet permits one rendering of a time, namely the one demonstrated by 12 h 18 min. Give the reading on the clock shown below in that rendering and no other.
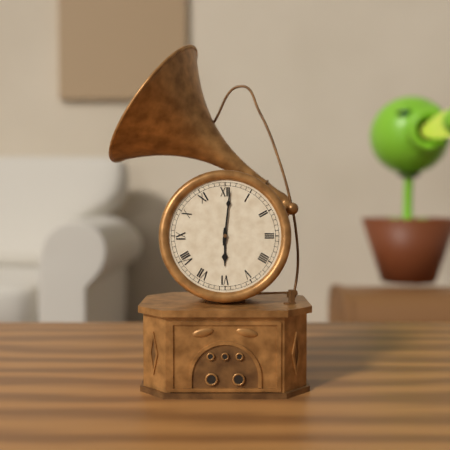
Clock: 6 h 01 min
